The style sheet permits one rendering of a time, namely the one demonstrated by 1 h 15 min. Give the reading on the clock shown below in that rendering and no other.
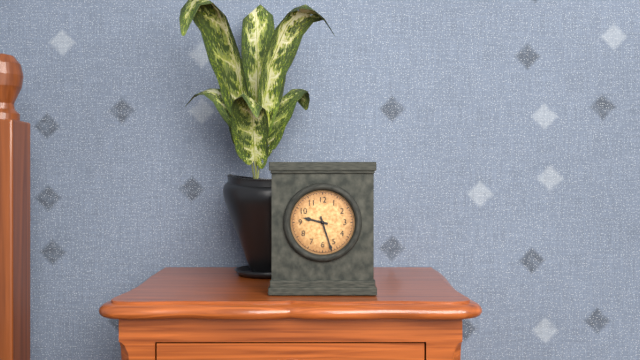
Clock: 9 h 27 min
